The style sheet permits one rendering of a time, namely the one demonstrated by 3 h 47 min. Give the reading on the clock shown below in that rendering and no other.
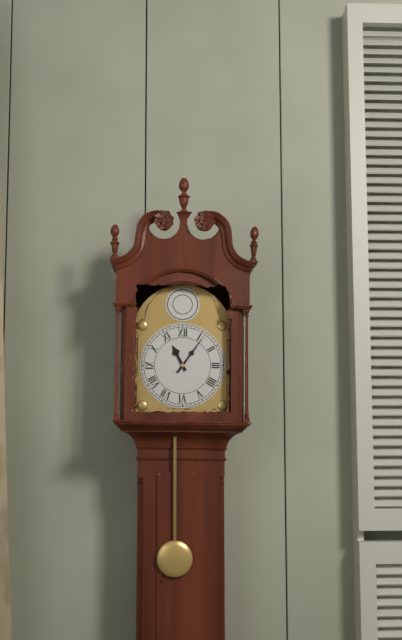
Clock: 11 h 06 min
